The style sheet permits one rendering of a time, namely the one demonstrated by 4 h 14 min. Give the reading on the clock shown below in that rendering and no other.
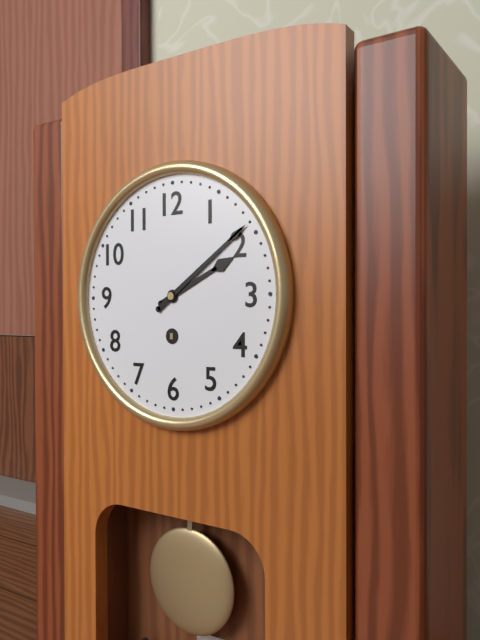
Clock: 2 h 09 min
